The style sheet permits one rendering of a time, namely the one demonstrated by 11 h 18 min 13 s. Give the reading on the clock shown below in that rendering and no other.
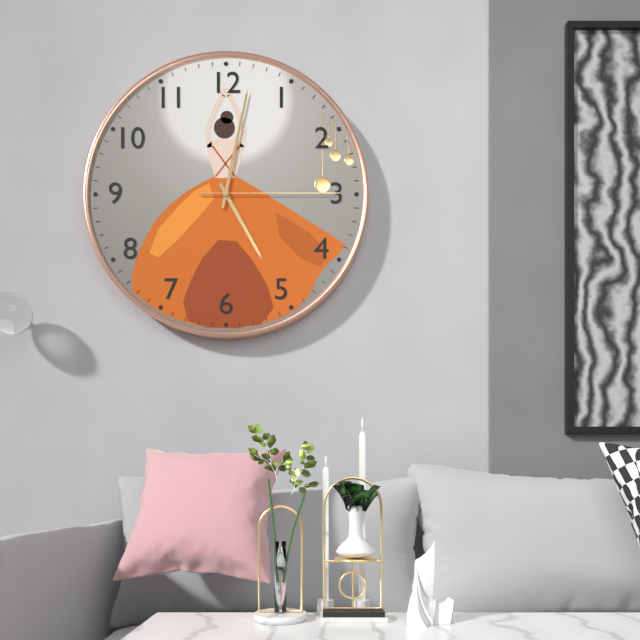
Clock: 5 h 02 min 15 s
